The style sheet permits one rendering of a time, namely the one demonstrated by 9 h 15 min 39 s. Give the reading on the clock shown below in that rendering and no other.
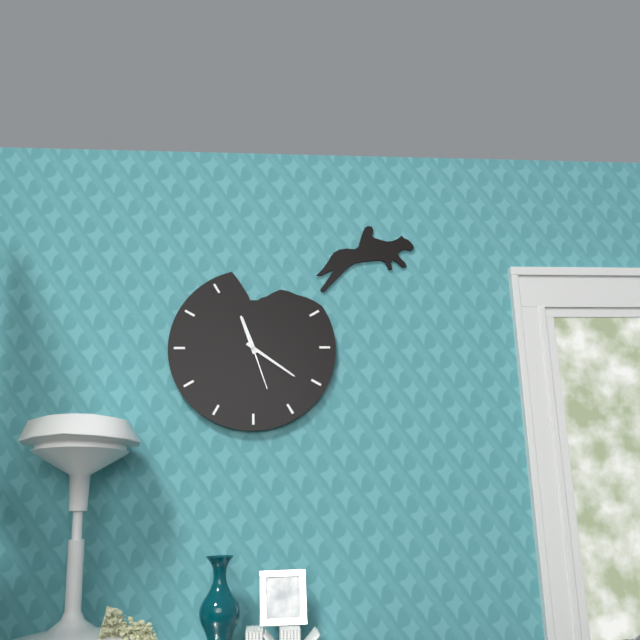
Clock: 11 h 21 min 27 s
